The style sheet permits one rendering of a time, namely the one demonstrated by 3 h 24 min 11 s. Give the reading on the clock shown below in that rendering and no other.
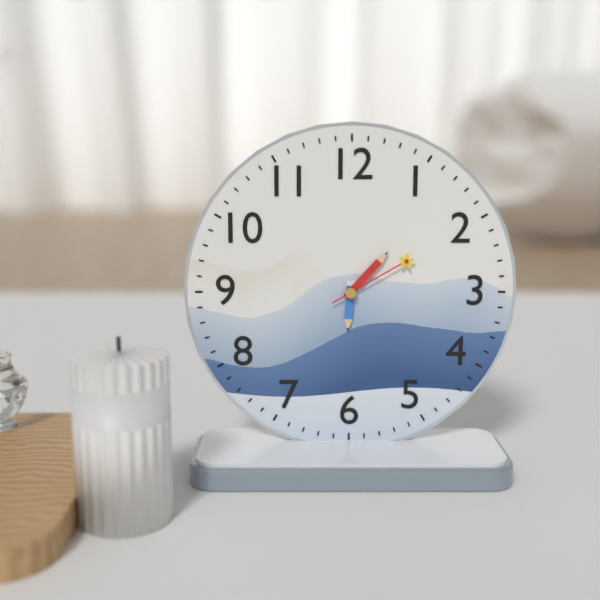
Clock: 6 h 07 min 10 s
